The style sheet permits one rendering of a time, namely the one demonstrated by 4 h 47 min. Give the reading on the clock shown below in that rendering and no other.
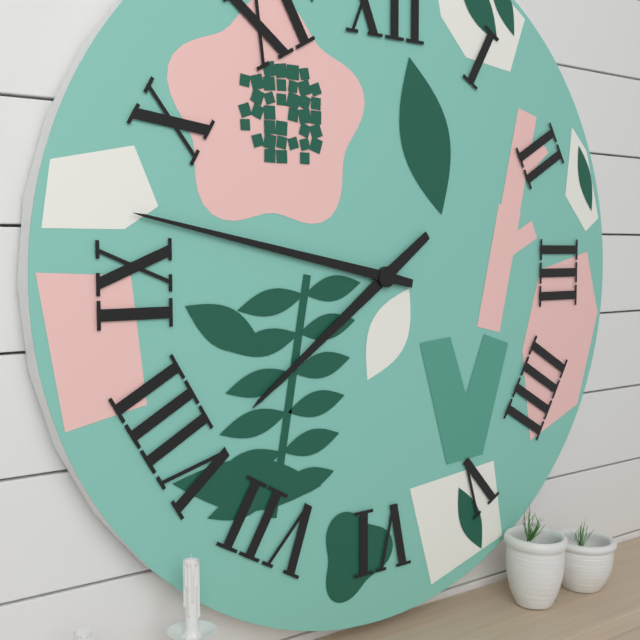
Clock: 7 h 47 min
